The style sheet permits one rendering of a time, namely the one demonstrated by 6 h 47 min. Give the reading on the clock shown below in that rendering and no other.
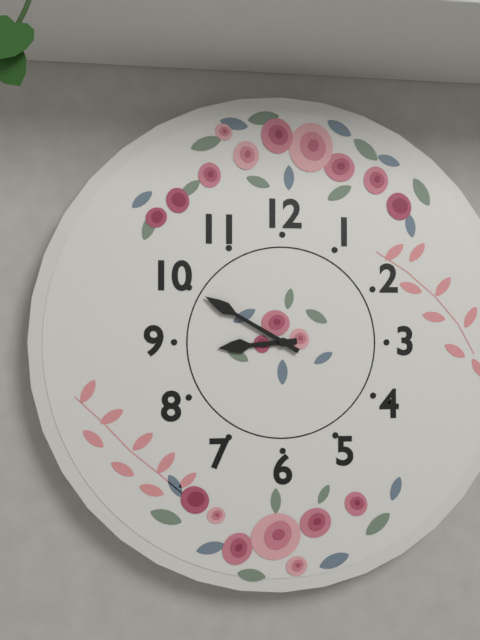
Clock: 8 h 50 min
